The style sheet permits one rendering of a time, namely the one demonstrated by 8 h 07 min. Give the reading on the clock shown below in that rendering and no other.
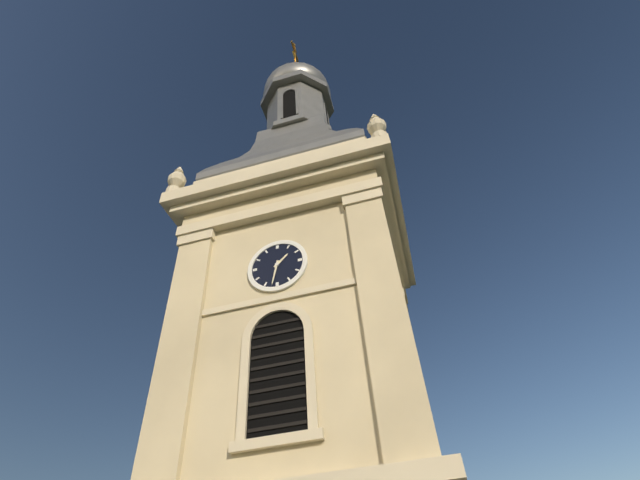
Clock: 1 h 32 min
